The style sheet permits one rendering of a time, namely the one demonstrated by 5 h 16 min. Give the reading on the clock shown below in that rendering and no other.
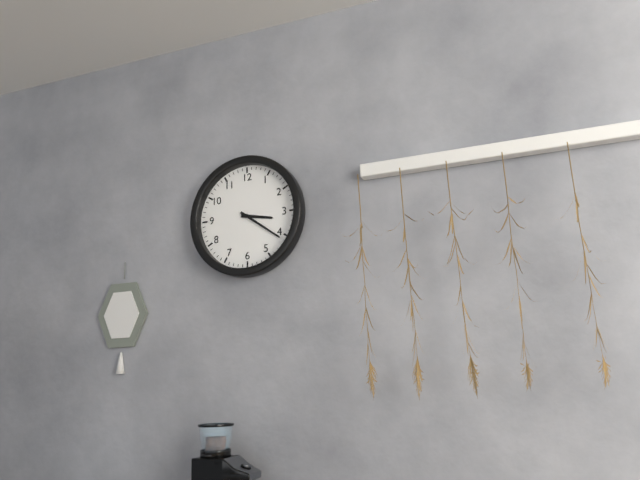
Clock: 3 h 21 min
